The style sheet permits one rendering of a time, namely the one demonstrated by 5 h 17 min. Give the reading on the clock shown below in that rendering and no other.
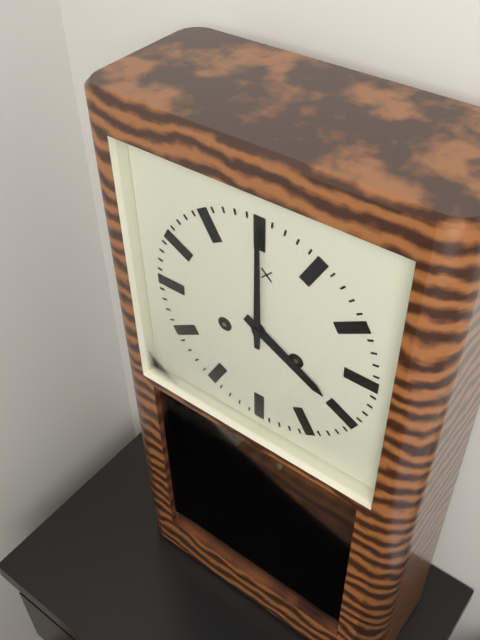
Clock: 4 h 00 min
